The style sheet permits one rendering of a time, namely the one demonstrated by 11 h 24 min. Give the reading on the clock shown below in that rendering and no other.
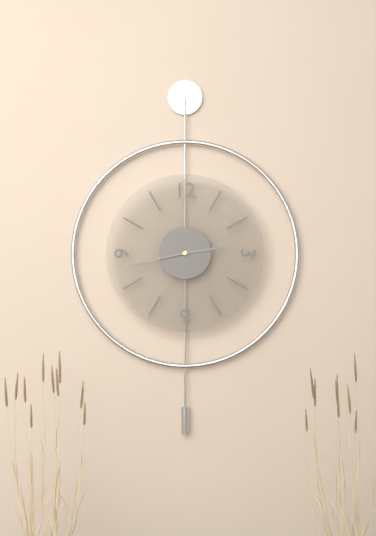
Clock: 2 h 43 min
